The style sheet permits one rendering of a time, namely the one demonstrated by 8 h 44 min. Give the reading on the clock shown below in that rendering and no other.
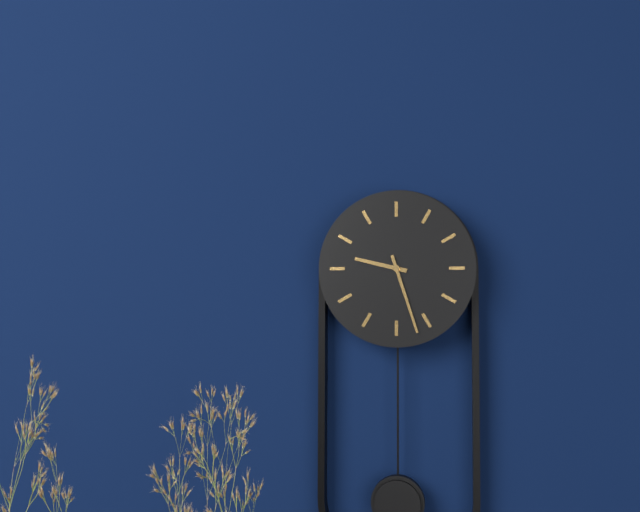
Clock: 9 h 27 min
